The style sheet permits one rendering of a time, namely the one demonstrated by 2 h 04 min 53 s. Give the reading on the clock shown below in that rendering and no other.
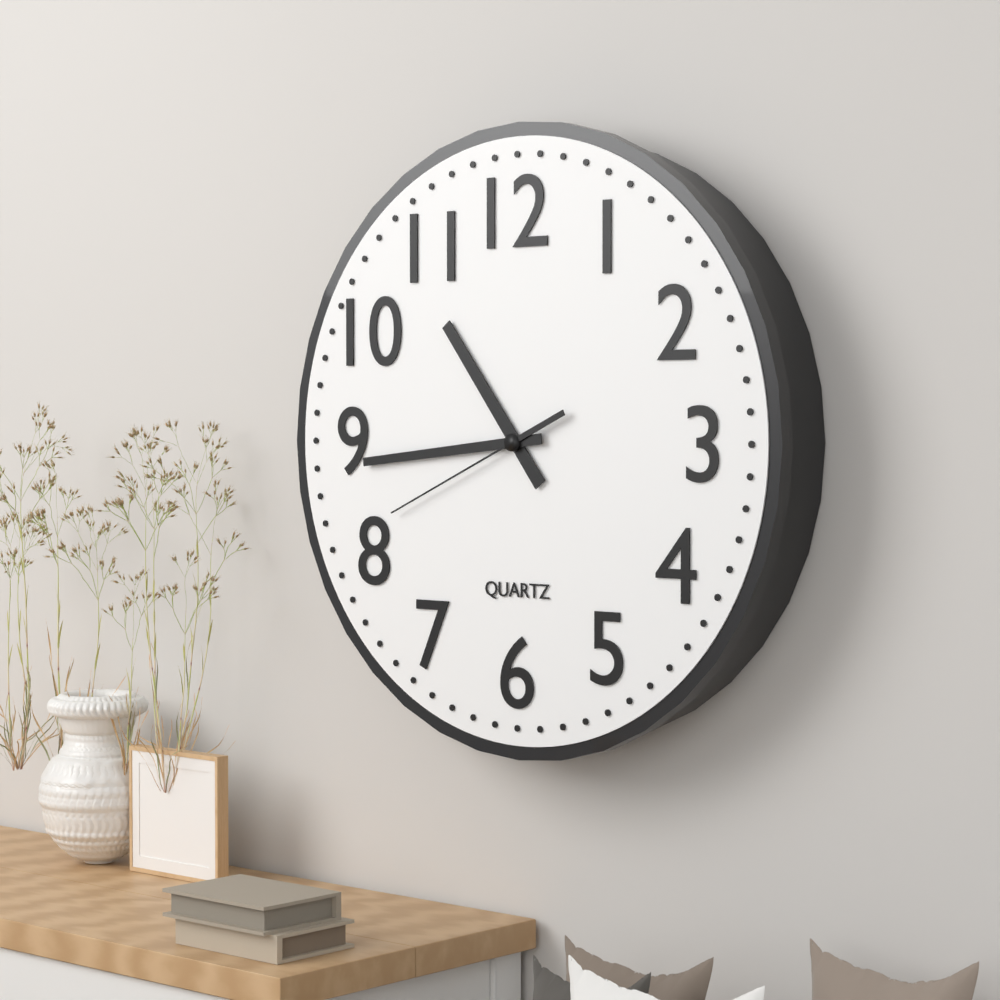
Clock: 10 h 44 min 41 s
